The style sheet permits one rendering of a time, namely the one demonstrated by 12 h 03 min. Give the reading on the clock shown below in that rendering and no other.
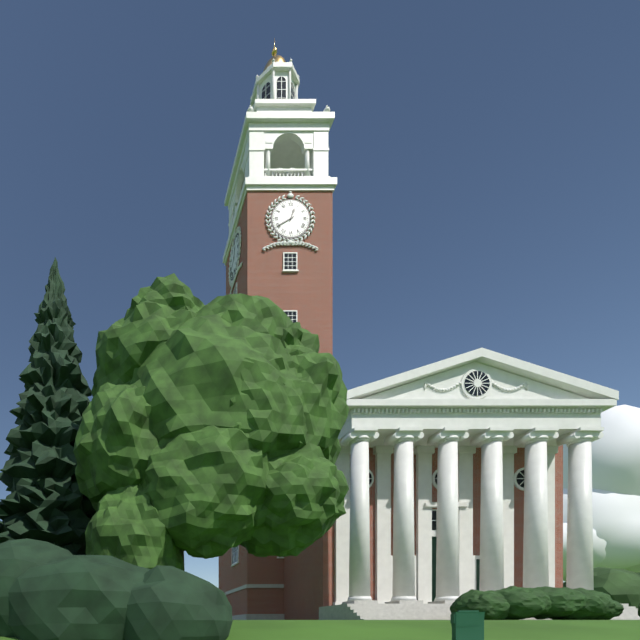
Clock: 12 h 40 min
